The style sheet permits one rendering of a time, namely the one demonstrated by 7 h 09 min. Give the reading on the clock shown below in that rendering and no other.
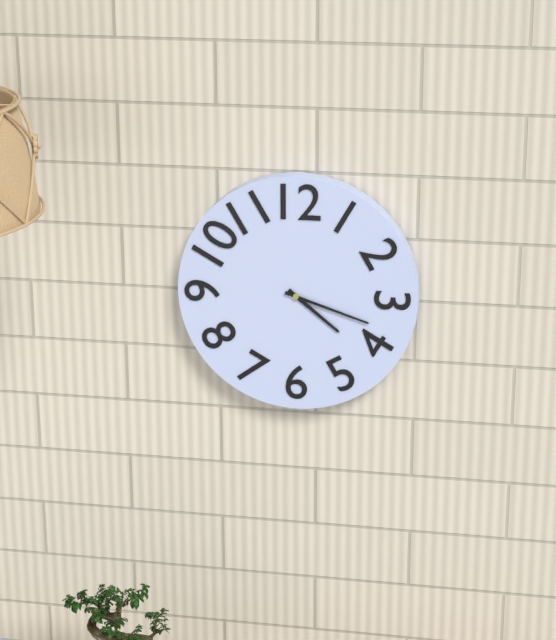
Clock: 4 h 18 min
